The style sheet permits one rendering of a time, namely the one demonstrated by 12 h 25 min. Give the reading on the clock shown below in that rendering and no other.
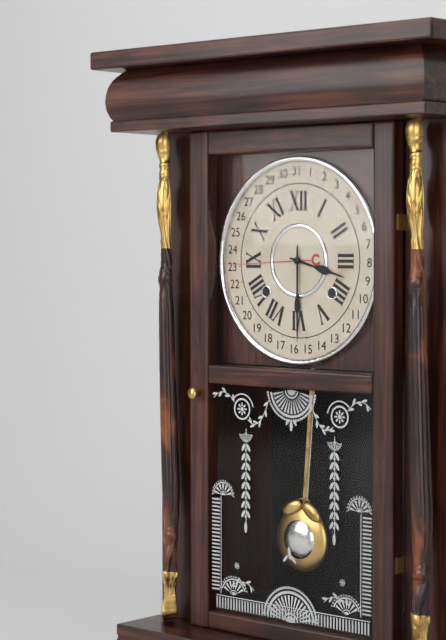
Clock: 3 h 30 min
